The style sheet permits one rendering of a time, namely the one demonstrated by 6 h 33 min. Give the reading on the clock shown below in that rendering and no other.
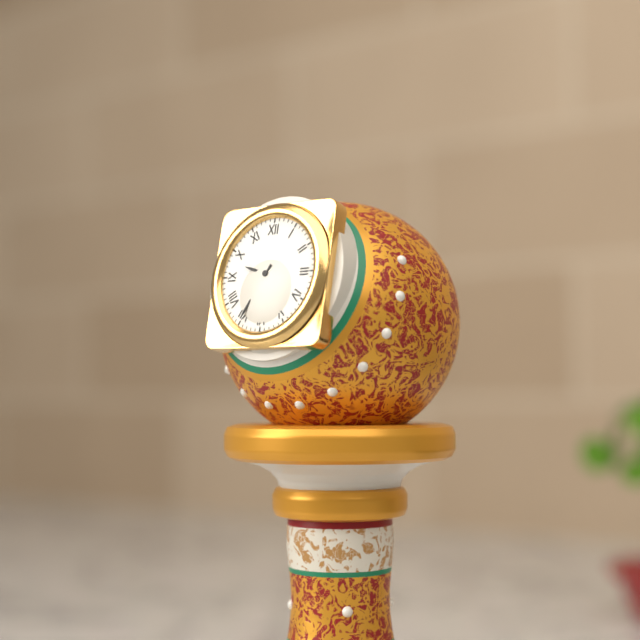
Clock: 9 h 35 min
